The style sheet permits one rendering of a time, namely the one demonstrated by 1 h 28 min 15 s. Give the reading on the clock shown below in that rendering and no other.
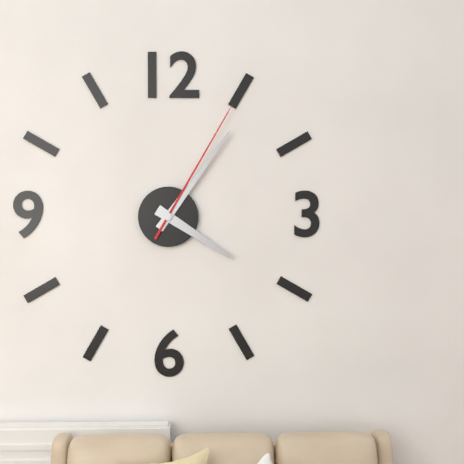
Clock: 4 h 06 min 05 s
